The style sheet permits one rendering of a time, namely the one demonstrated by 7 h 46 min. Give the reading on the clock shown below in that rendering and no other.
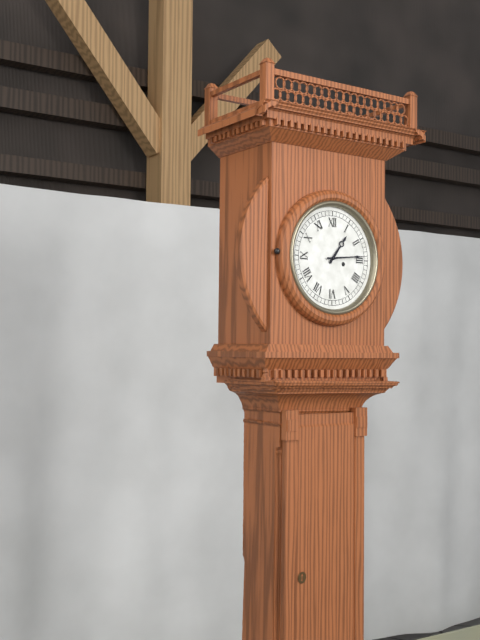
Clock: 1 h 14 min
